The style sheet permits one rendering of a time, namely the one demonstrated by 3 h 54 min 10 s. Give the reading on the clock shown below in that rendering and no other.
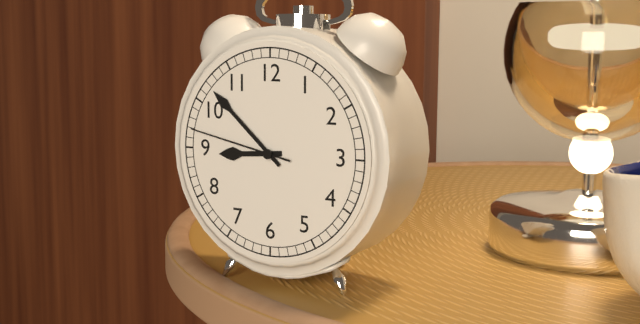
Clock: 8 h 52 min 47 s
